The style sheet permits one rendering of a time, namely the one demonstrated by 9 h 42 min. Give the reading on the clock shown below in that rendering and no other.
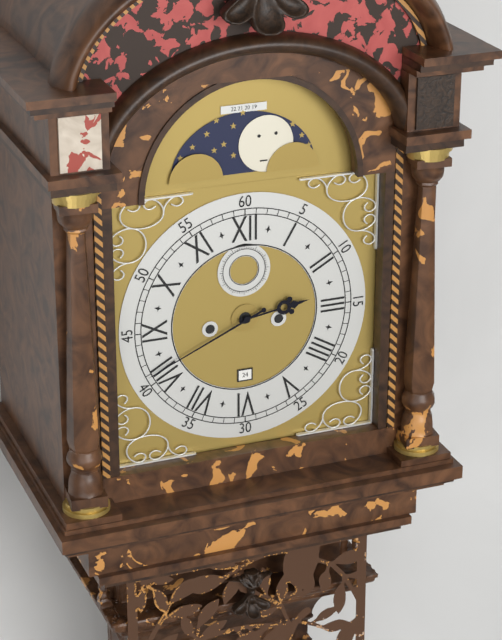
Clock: 2 h 41 min
